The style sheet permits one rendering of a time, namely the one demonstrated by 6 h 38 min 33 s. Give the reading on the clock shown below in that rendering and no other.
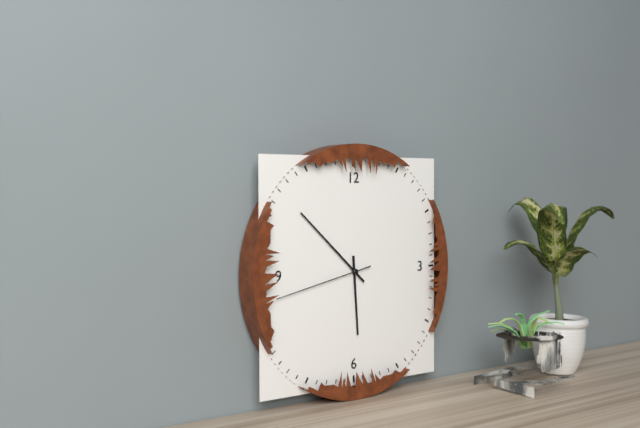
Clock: 5 h 52 min 43 s
